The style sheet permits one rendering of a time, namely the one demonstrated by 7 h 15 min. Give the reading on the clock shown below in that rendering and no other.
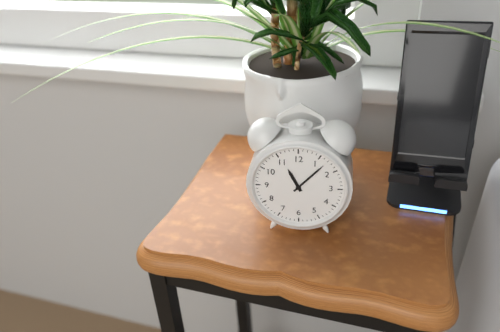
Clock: 11 h 07 min
